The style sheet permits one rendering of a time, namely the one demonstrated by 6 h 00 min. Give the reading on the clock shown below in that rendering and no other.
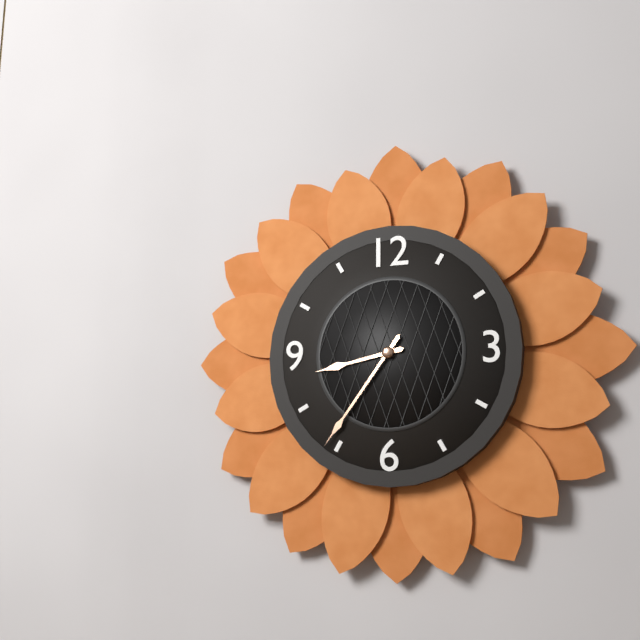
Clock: 8 h 36 min
